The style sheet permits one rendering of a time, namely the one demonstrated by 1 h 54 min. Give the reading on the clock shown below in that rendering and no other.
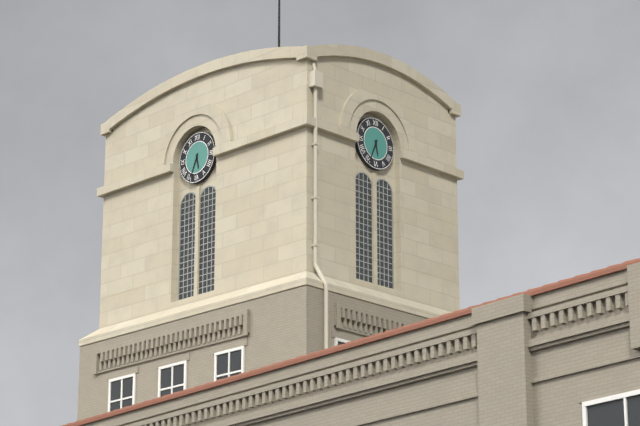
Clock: 5 h 34 min
